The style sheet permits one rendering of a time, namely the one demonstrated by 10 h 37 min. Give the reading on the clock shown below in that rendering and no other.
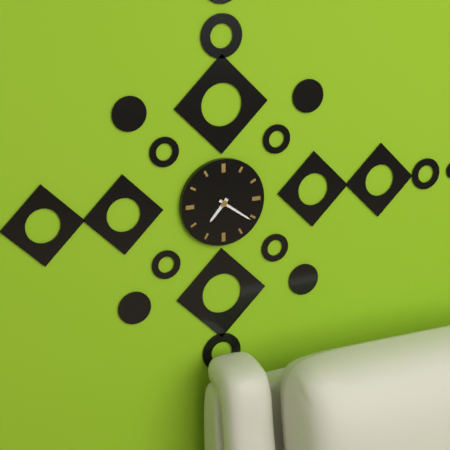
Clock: 7 h 21 min
